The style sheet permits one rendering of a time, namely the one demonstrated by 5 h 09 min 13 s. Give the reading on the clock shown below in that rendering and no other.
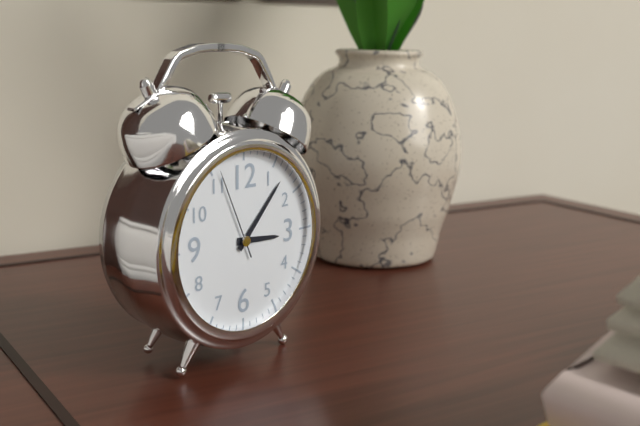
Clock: 3 h 07 min 56 s
